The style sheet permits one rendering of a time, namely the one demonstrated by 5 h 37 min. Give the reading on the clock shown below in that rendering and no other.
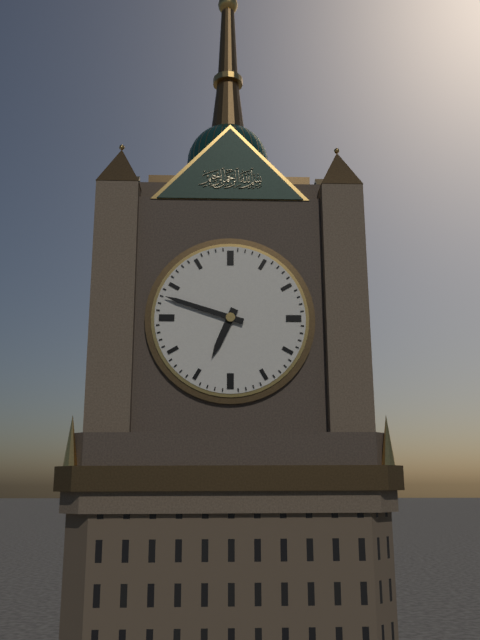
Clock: 6 h 48 min
